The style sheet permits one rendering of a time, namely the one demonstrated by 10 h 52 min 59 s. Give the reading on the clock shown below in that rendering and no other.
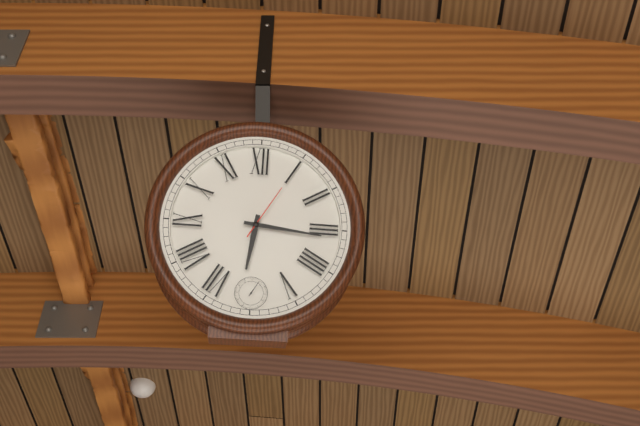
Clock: 6 h 16 min 05 s
